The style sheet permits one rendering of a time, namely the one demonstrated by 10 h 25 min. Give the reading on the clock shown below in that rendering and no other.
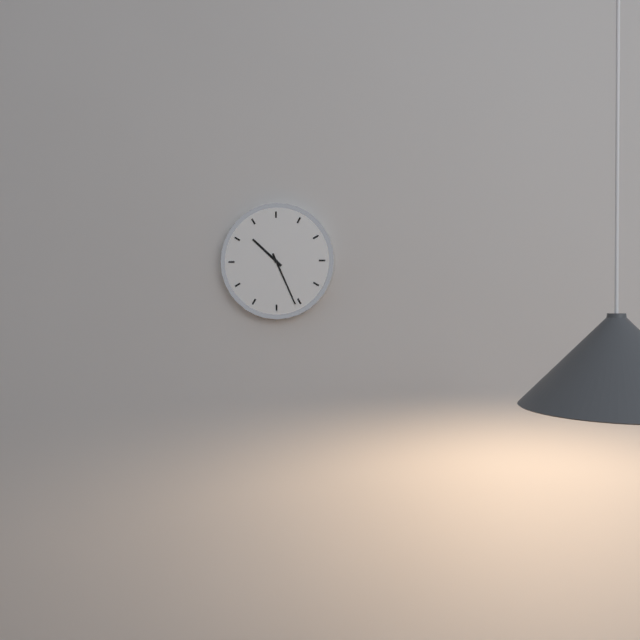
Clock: 10 h 26 min
